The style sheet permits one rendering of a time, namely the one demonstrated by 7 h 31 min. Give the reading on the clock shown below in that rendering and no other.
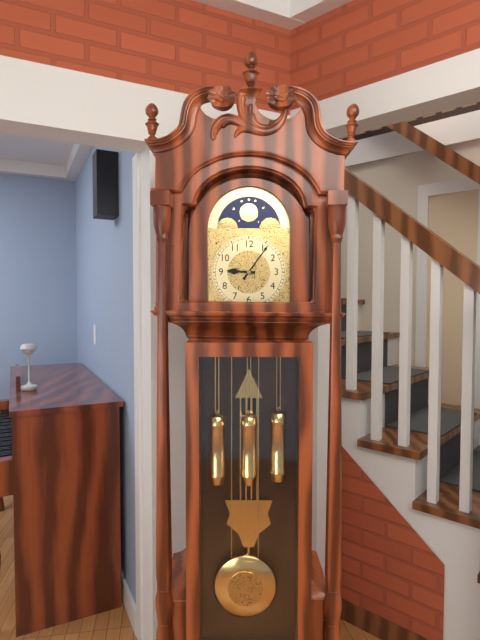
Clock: 9 h 06 min
